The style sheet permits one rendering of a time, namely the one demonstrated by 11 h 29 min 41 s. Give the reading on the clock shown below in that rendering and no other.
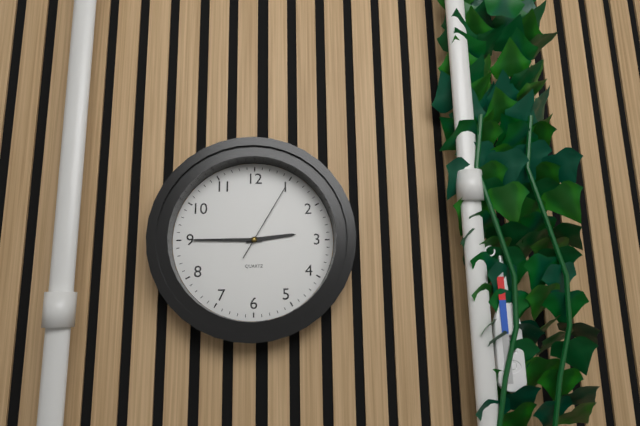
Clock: 2 h 45 min 05 s
